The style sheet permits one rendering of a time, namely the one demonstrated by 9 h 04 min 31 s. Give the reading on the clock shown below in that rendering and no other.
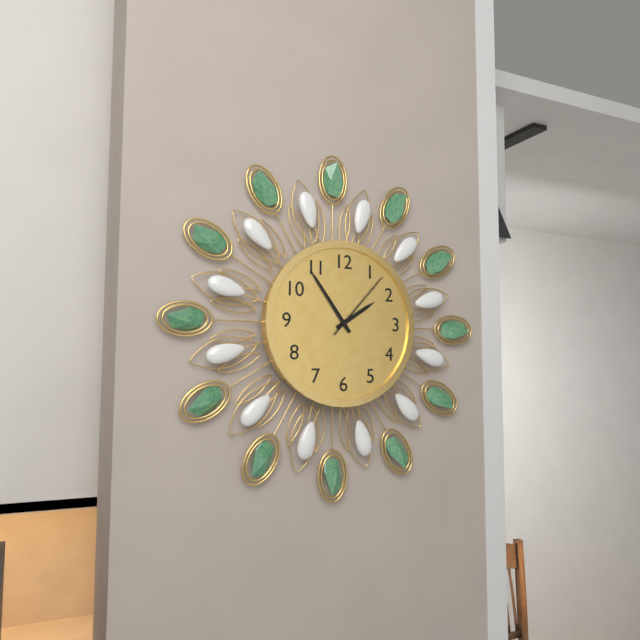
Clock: 1 h 54 min 07 s
